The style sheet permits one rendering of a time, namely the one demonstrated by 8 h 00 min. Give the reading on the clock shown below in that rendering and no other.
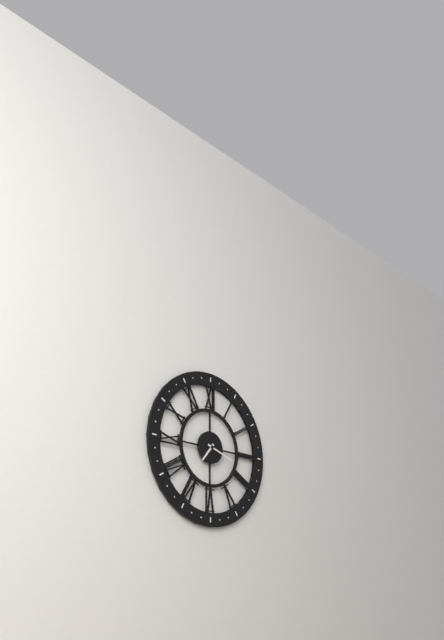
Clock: 7 h 18 min
